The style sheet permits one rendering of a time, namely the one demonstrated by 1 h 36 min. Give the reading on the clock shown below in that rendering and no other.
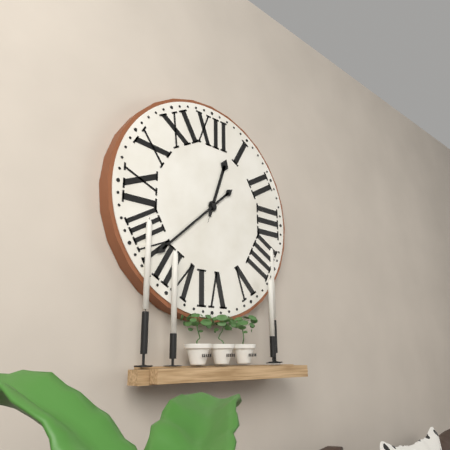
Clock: 12 h 38 min
